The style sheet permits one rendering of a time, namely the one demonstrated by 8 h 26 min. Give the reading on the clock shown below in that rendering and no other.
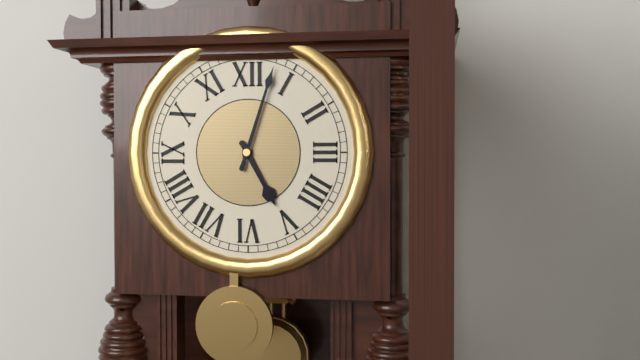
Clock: 5 h 03 min
